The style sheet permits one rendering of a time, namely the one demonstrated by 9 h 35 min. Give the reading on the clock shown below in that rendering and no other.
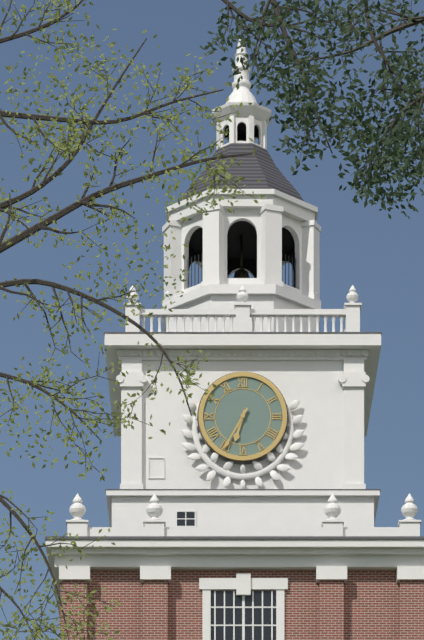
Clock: 6 h 35 min
